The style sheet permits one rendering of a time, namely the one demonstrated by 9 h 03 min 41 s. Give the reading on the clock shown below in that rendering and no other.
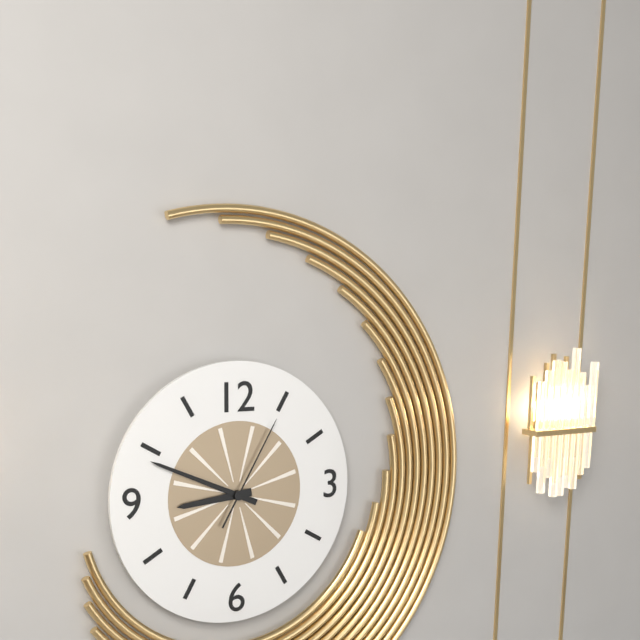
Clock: 8 h 49 min 05 s
